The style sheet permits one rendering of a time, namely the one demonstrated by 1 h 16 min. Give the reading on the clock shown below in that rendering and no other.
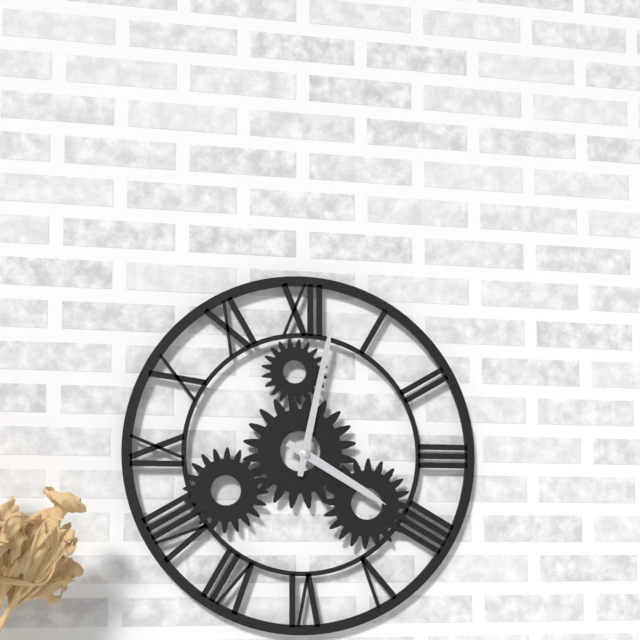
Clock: 4 h 02 min
